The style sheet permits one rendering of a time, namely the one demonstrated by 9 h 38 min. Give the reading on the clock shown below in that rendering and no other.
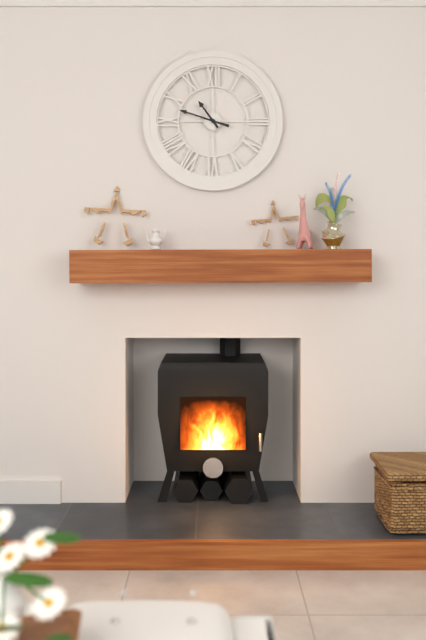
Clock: 10 h 48 min
